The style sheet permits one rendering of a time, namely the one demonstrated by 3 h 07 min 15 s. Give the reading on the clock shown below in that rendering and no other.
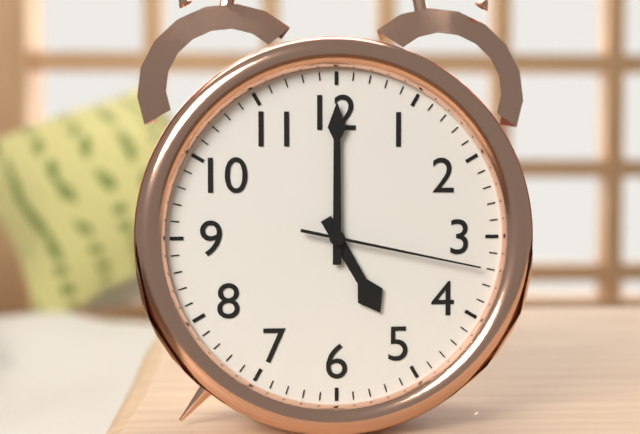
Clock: 5 h 00 min 17 s
